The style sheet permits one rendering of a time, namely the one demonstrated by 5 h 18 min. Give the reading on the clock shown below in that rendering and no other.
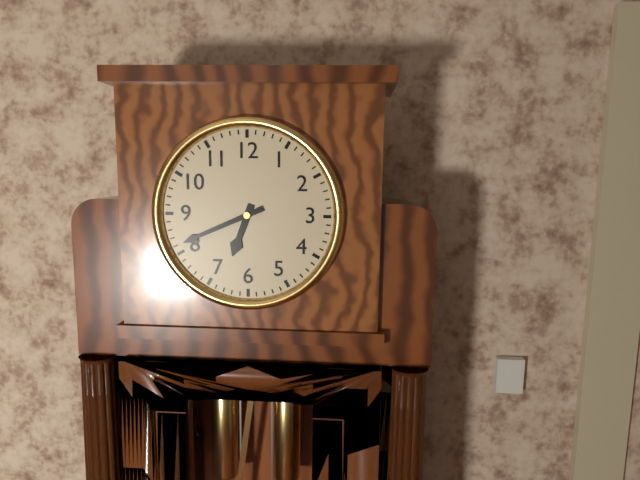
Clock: 6 h 41 min
